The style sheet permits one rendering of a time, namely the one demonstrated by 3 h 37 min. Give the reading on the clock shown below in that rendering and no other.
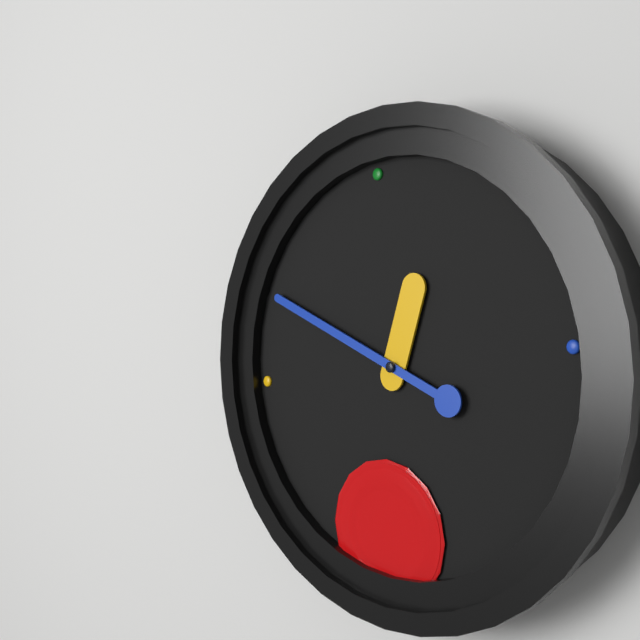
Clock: 12 h 50 min
